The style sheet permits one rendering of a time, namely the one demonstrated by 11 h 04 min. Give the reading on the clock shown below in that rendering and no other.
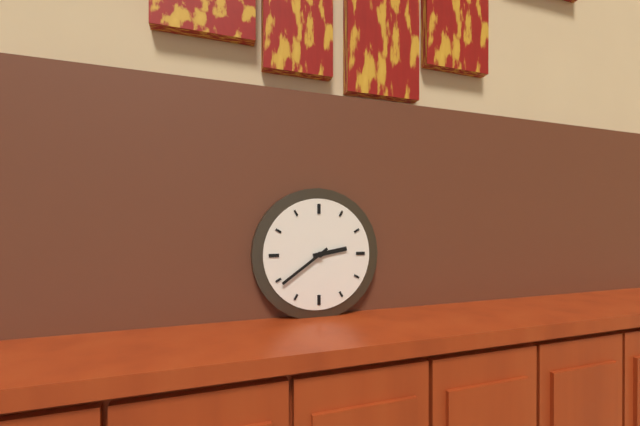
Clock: 2 h 39 min
